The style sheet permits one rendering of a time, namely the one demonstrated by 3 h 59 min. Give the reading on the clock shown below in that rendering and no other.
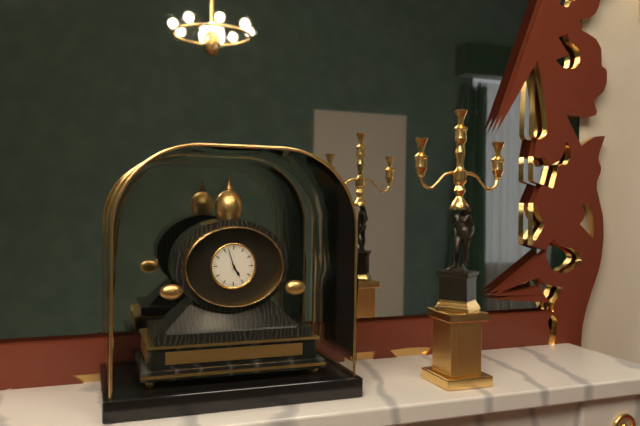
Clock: 4 h 57 min
